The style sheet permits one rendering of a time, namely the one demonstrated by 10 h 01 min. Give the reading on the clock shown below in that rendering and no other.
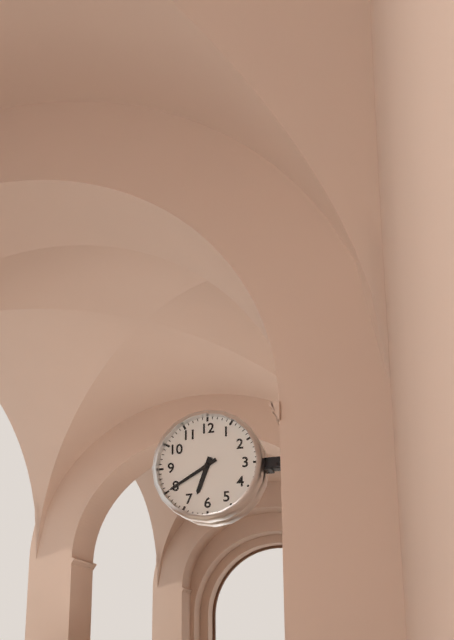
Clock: 6 h 40 min
